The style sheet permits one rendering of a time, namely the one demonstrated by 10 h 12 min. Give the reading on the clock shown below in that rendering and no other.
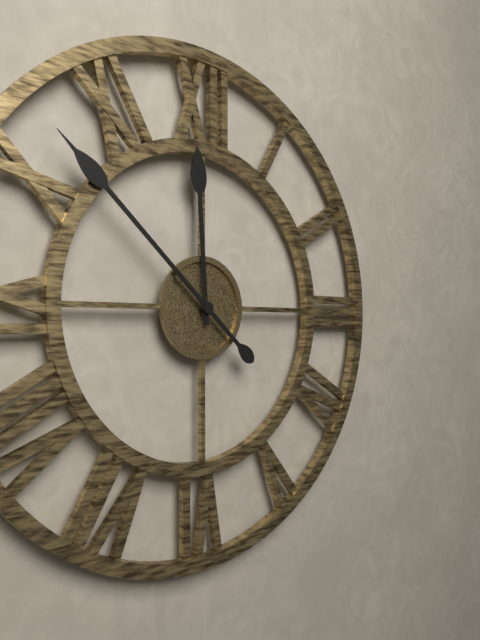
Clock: 11 h 52 min
